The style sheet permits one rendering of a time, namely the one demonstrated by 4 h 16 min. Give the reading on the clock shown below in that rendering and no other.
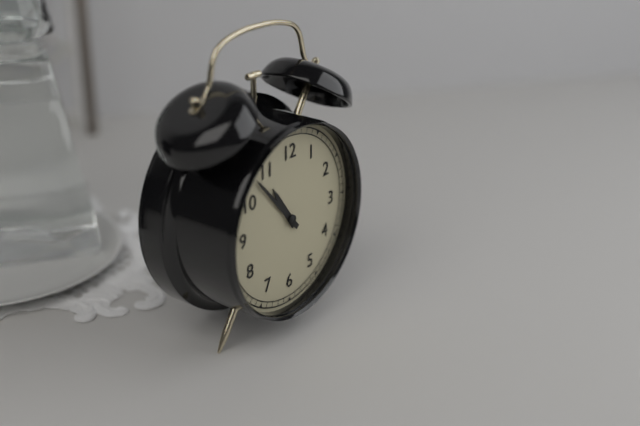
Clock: 10 h 53 min
